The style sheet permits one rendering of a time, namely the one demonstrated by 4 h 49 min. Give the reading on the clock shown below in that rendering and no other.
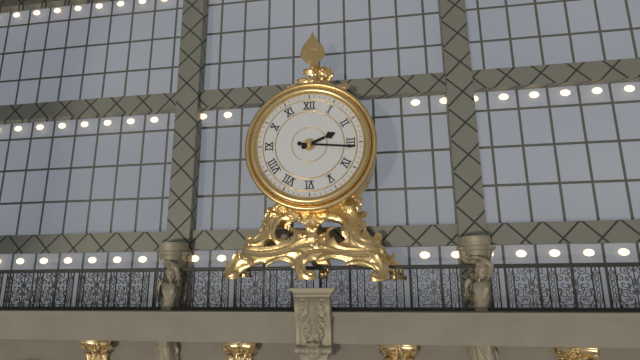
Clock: 2 h 16 min
